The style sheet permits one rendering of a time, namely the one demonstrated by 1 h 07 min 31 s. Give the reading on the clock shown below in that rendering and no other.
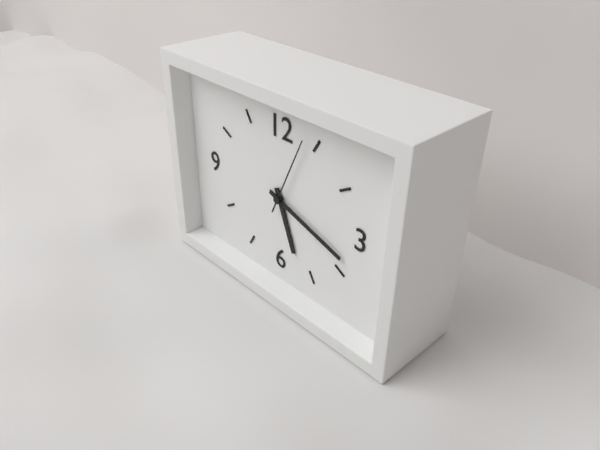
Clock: 5 h 18 min 04 s
